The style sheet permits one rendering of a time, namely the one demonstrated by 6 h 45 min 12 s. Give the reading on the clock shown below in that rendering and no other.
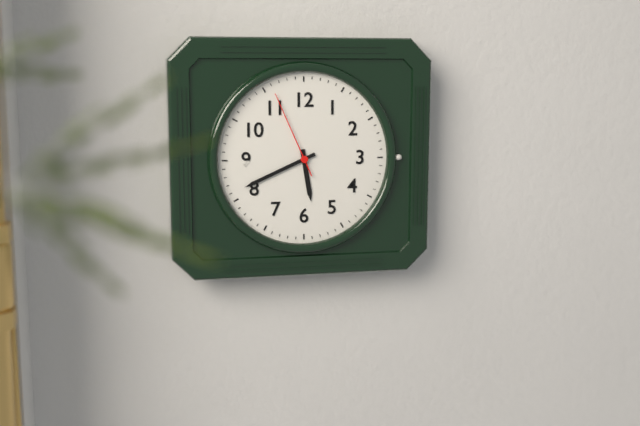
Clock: 5 h 41 min 56 s
